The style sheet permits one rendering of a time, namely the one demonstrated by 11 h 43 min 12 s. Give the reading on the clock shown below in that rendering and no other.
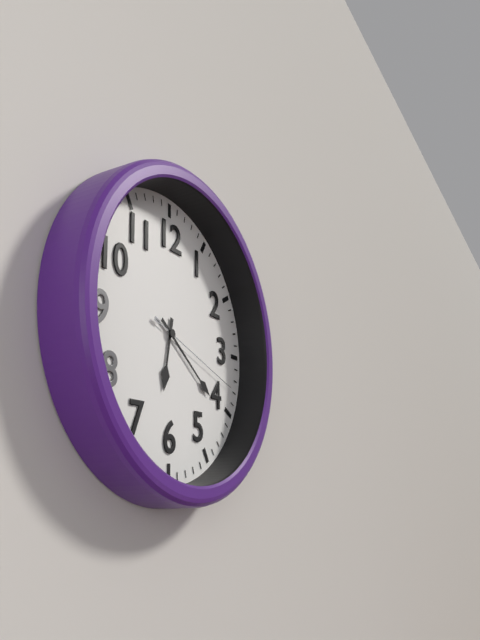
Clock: 6 h 21 min 18 s
